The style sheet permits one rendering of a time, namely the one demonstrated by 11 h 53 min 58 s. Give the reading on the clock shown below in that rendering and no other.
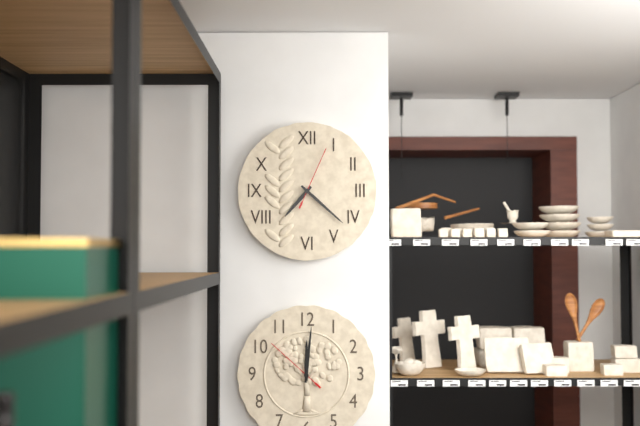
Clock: 7 h 22 min 04 s
